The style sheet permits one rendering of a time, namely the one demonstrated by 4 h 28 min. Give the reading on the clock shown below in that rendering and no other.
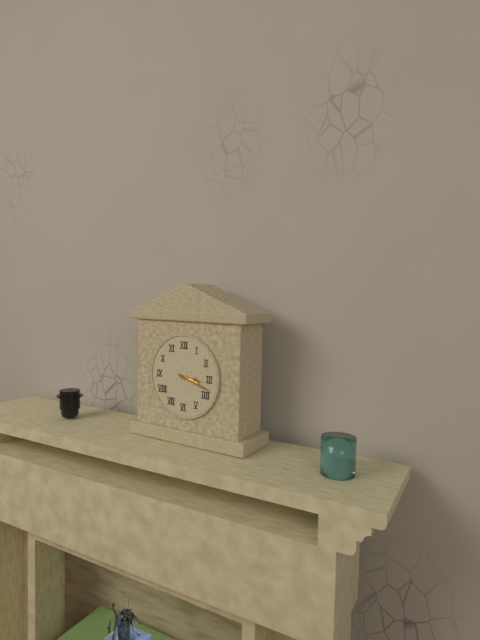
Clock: 3 h 18 min
